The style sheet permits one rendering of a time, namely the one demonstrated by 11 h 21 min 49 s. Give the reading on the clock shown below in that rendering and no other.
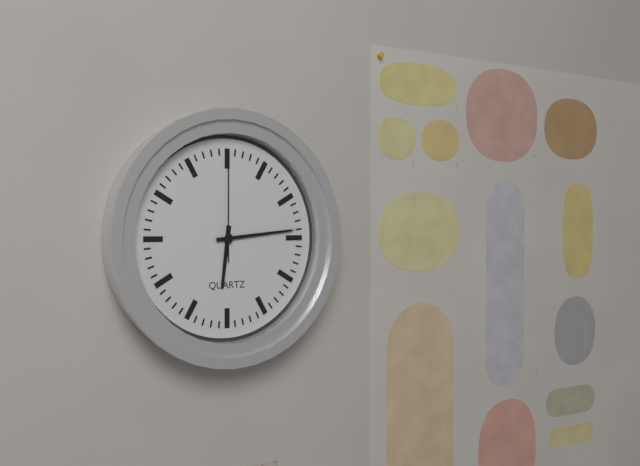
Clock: 6 h 14 min 00 s
